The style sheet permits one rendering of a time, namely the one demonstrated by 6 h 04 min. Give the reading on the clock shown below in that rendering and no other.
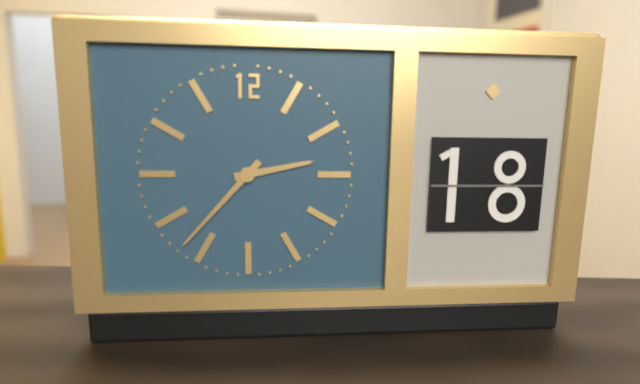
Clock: 2 h 37 min
